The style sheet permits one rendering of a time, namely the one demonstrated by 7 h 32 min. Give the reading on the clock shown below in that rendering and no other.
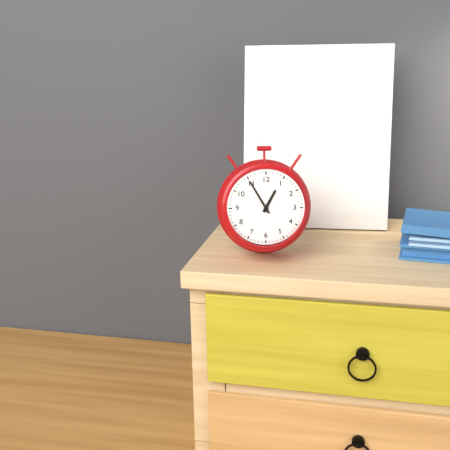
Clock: 12 h 55 min
